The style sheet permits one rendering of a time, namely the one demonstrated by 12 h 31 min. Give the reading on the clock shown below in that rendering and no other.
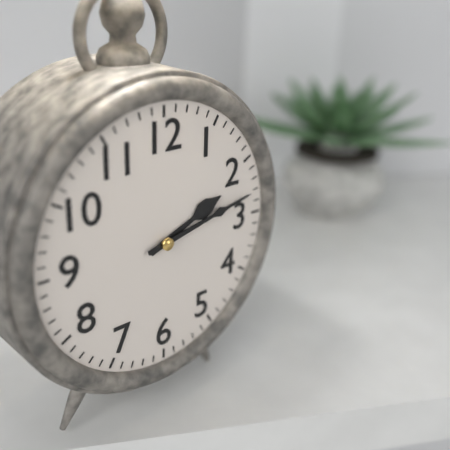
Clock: 2 h 13 min
